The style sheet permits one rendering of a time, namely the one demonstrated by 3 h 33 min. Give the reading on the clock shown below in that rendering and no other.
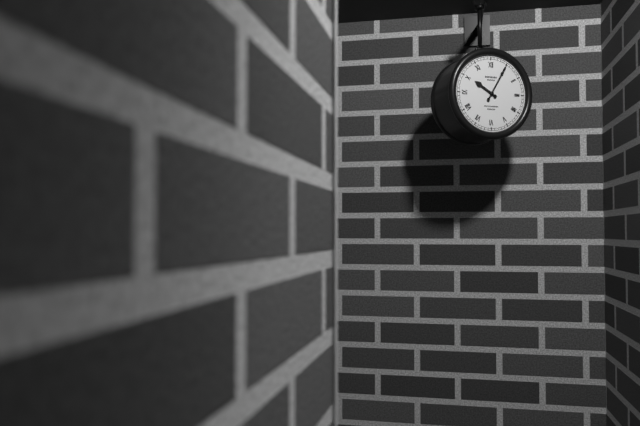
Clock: 10 h 05 min
